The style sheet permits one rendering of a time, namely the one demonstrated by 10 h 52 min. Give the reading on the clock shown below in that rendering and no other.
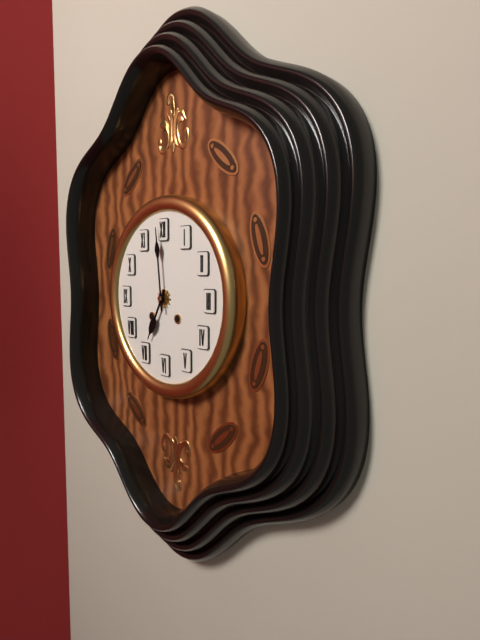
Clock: 6 h 59 min
